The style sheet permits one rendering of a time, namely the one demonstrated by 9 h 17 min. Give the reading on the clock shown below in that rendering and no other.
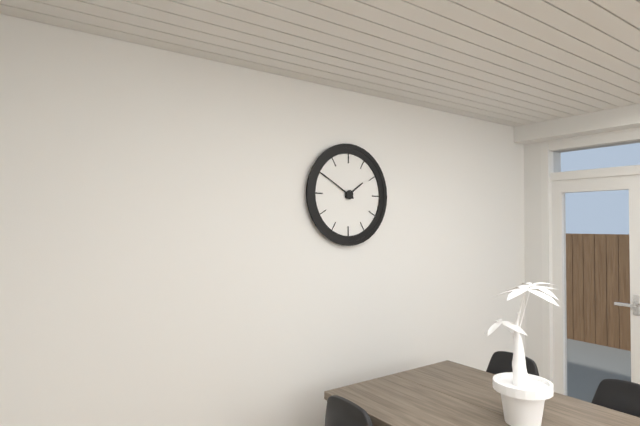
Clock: 1 h 50 min
